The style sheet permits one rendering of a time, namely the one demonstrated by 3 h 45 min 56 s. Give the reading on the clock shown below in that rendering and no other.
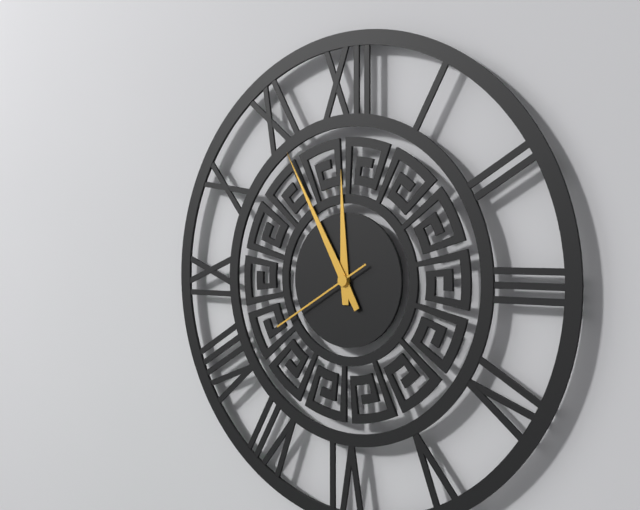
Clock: 11 h 55 min 40 s
